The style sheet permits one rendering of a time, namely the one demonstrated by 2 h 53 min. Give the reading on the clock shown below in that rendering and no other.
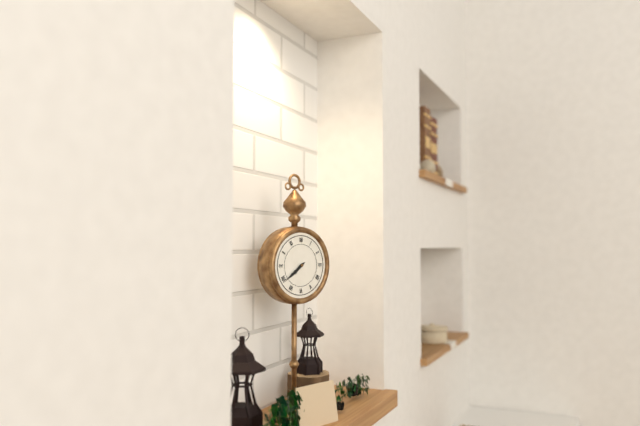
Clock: 7 h 39 min
